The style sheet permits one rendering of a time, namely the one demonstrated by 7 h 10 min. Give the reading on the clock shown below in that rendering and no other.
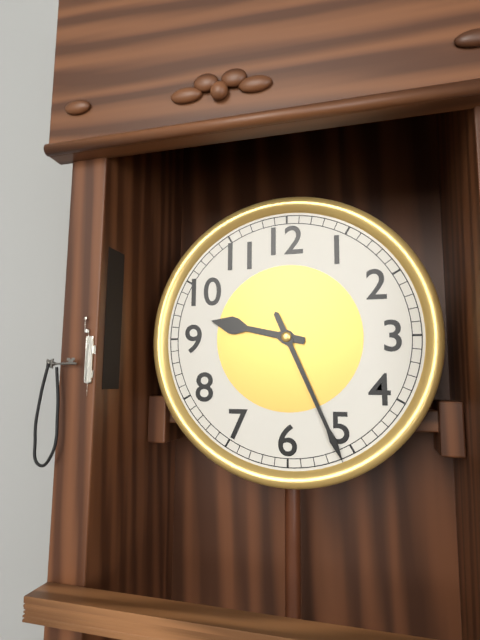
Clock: 9 h 26 min
